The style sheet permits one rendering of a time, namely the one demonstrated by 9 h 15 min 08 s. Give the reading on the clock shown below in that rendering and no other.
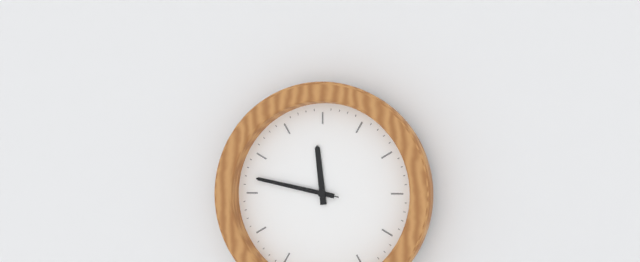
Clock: 11 h 47 min 47 s
